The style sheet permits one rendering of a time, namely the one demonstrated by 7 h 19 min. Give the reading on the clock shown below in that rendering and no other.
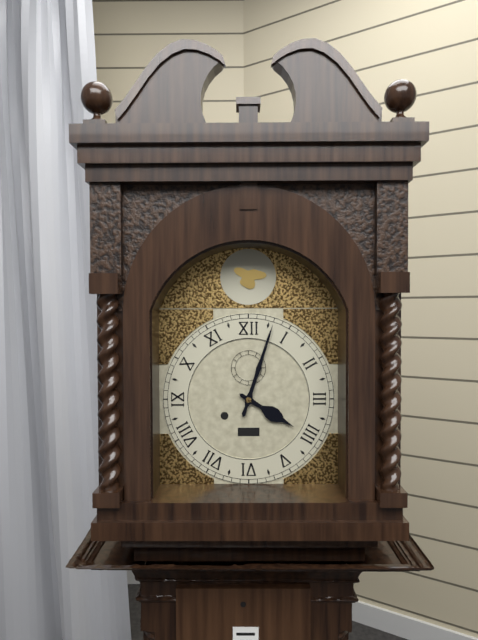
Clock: 4 h 03 min
